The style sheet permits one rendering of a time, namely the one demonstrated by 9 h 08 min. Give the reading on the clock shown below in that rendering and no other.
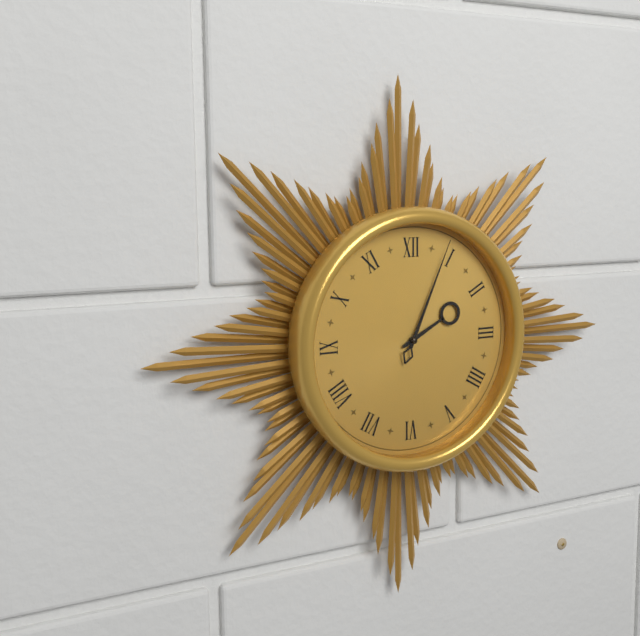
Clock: 2 h 04 min
